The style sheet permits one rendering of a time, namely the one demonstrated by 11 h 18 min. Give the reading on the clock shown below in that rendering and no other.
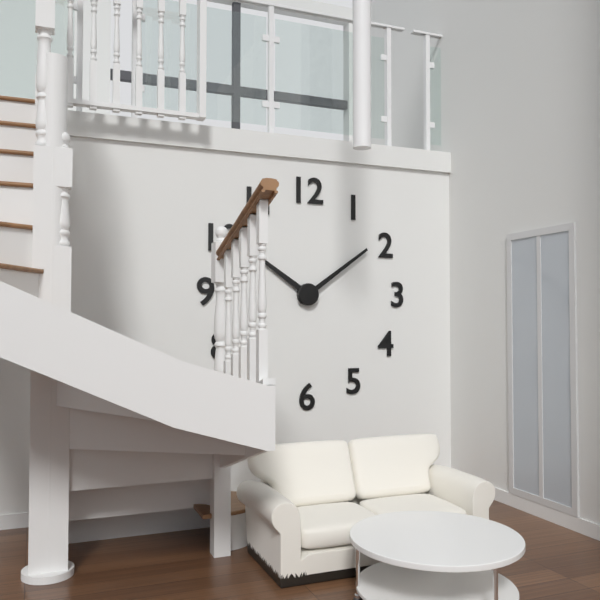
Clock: 10 h 09 min
